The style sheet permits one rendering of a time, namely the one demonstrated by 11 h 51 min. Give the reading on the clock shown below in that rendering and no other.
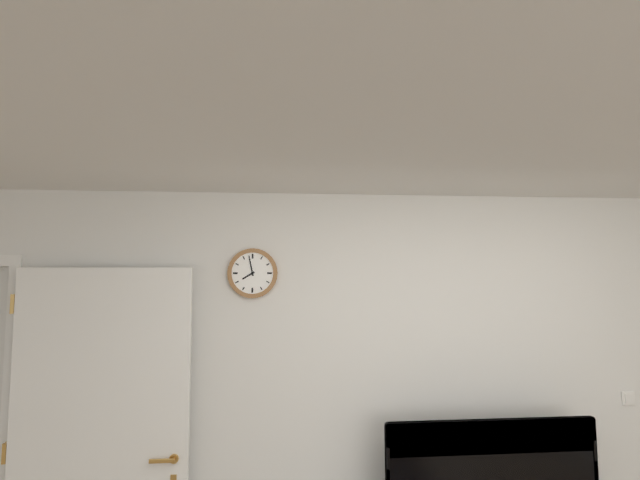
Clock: 7 h 58 min
